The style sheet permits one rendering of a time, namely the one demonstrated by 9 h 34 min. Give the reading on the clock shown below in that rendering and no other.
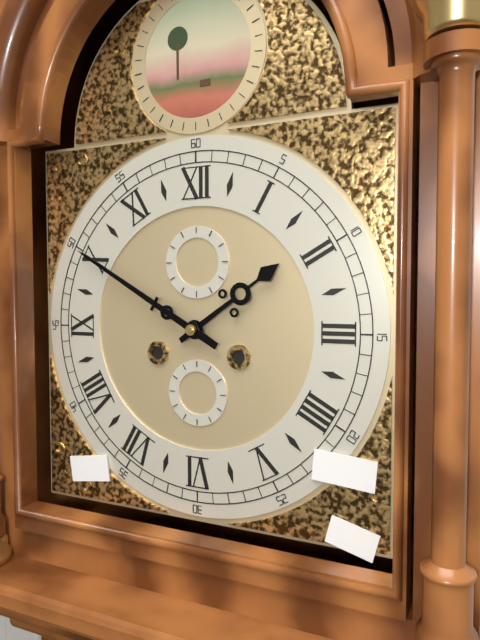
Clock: 1 h 50 min
